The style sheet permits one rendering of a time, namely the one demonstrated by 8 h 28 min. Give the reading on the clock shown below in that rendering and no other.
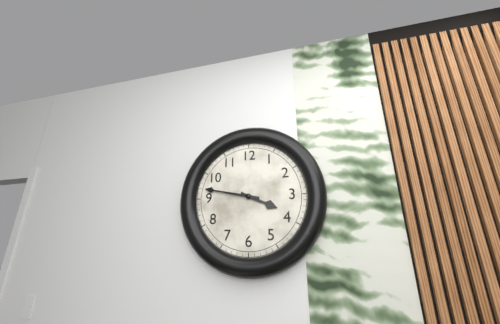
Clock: 3 h 47 min
